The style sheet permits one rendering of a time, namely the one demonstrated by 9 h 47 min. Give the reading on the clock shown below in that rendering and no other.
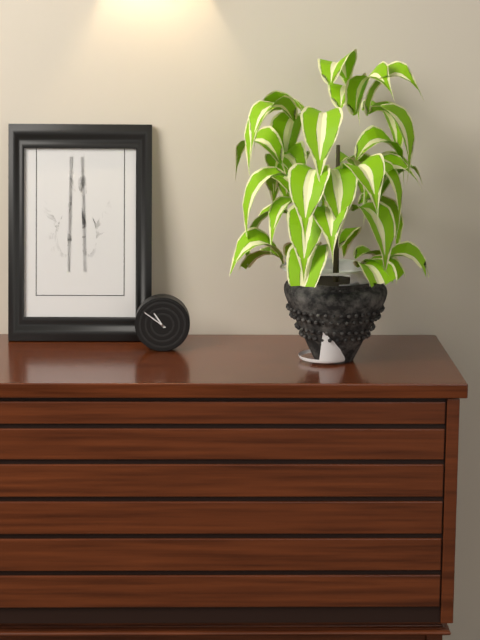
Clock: 10 h 51 min
